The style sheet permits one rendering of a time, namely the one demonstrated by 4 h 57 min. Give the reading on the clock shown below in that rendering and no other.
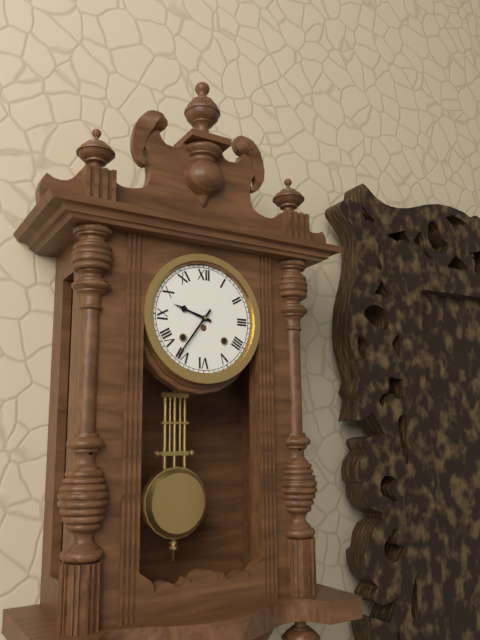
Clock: 9 h 36 min
